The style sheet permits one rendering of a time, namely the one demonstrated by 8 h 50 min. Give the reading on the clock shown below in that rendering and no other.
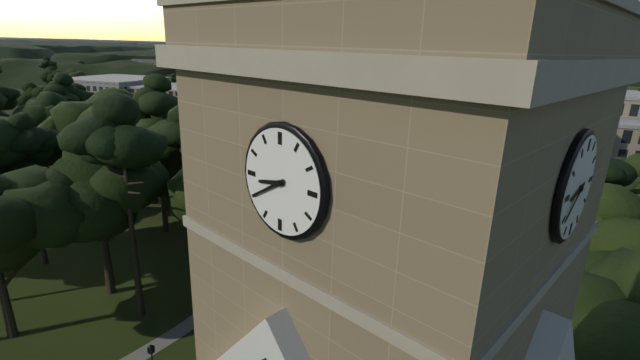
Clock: 8 h 40 min
